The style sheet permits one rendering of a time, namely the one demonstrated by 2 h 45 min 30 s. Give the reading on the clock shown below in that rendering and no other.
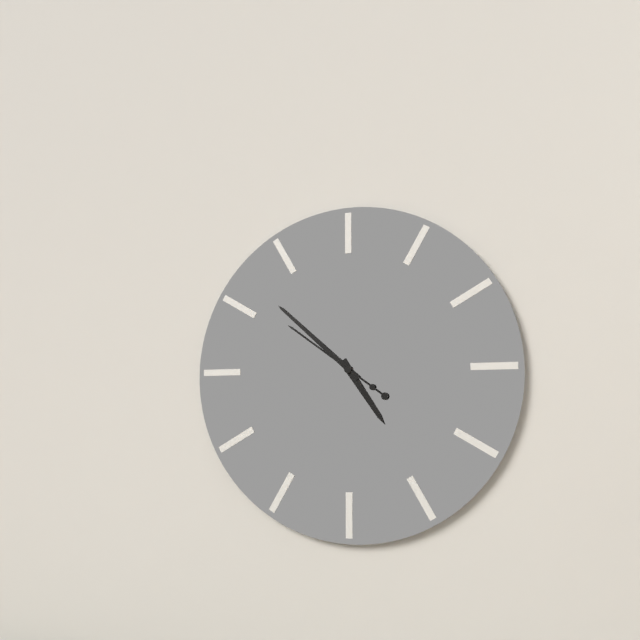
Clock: 4 h 52 min 51 s
